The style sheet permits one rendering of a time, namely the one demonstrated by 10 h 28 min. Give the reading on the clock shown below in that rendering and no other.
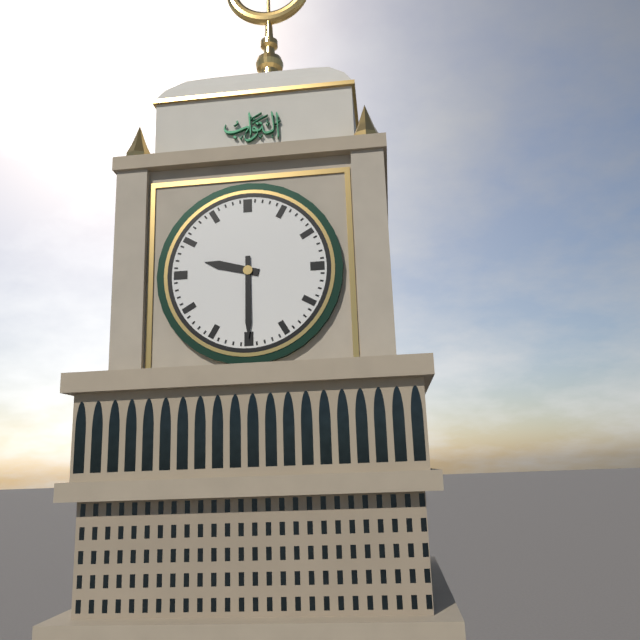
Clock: 9 h 30 min
